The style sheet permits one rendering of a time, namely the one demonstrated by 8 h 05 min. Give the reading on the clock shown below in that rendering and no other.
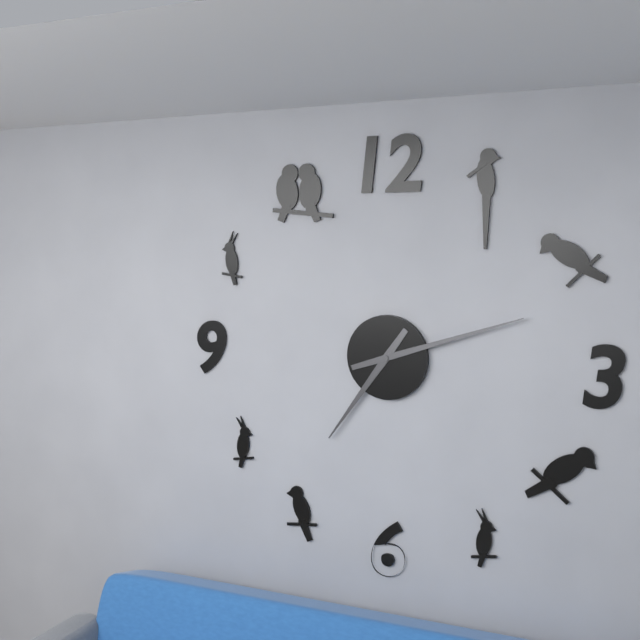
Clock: 7 h 12 min
